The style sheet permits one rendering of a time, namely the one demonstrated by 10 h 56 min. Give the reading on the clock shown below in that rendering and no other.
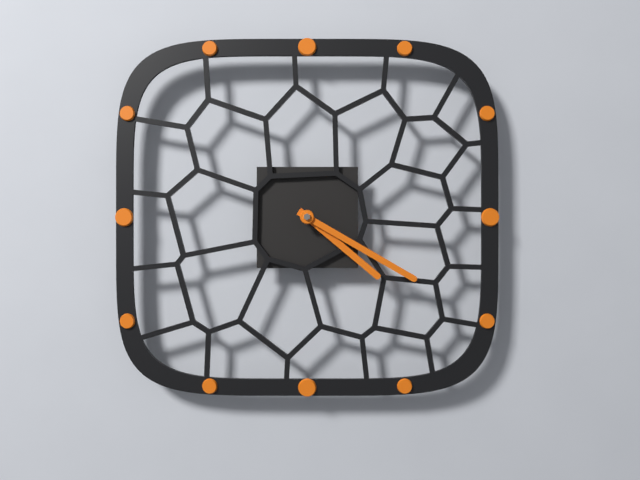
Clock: 4 h 20 min
